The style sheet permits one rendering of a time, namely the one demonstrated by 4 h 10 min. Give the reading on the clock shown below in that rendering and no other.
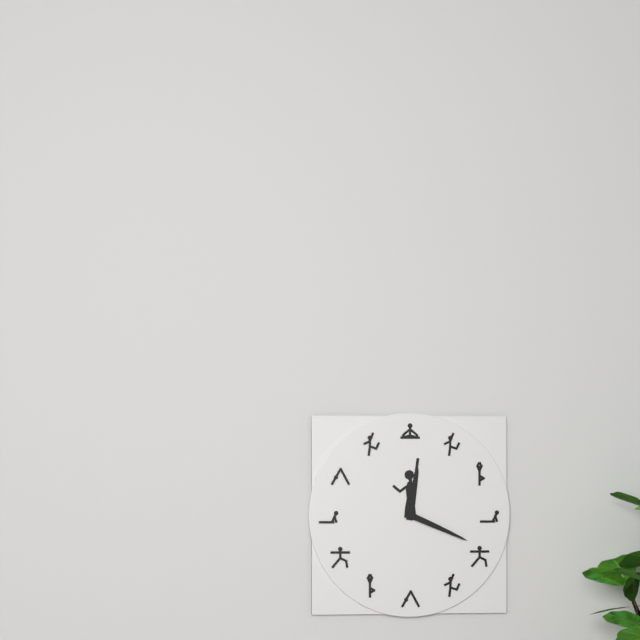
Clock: 12 h 19 min
